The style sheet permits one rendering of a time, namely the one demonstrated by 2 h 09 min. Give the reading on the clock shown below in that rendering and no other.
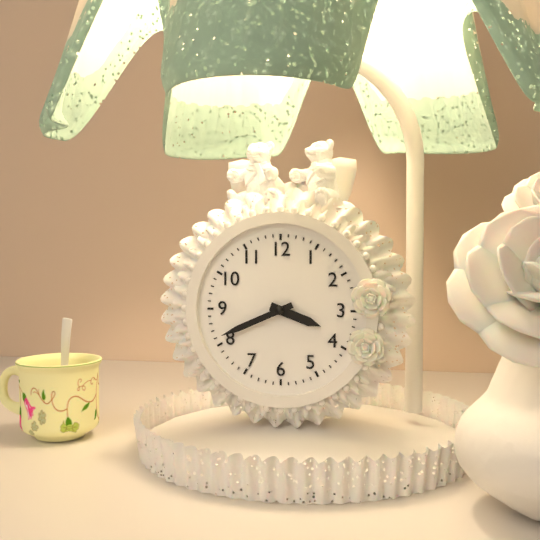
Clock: 3 h 41 min
